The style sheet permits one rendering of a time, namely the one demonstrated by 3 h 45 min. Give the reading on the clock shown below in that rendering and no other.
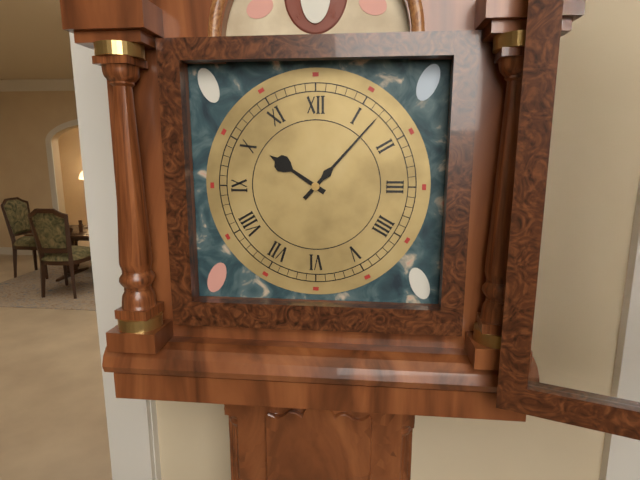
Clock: 10 h 07 min
